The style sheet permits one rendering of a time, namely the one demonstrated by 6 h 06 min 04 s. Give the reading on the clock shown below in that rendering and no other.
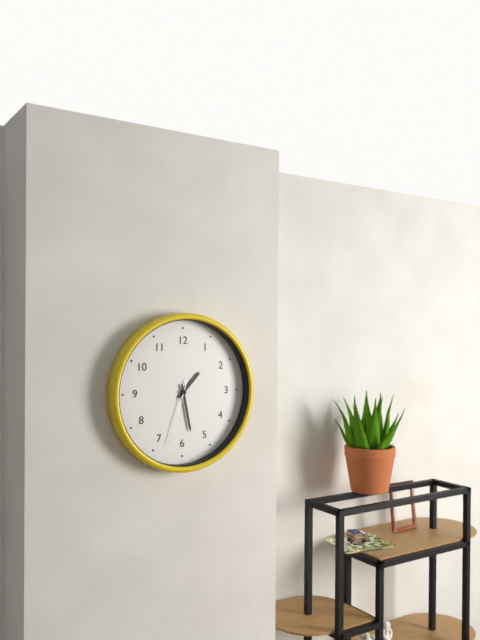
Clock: 1 h 28 min 33 s
